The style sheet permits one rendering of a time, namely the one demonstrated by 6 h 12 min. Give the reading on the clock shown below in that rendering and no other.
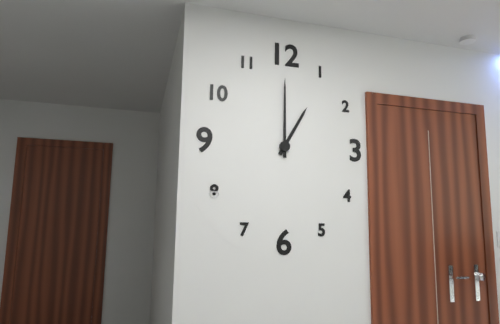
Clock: 1 h 00 min
